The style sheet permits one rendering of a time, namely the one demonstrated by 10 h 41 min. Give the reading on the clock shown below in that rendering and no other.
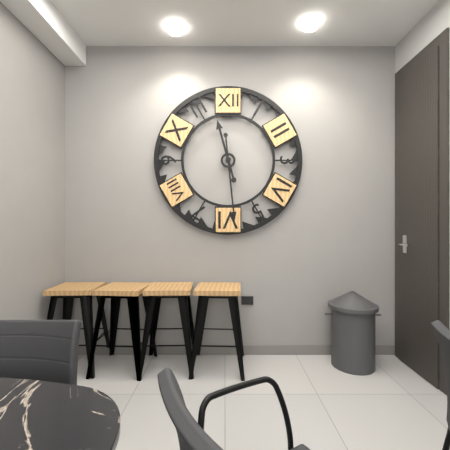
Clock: 11 h 29 min
